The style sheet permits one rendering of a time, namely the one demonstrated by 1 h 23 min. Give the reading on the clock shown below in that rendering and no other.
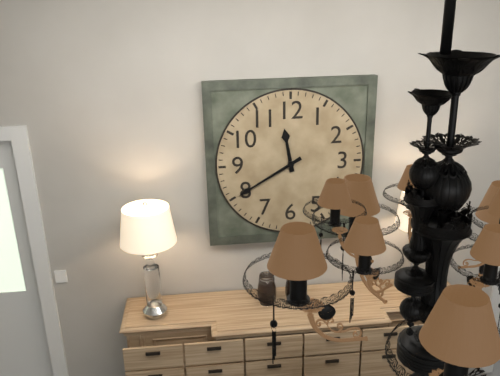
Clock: 11 h 40 min
